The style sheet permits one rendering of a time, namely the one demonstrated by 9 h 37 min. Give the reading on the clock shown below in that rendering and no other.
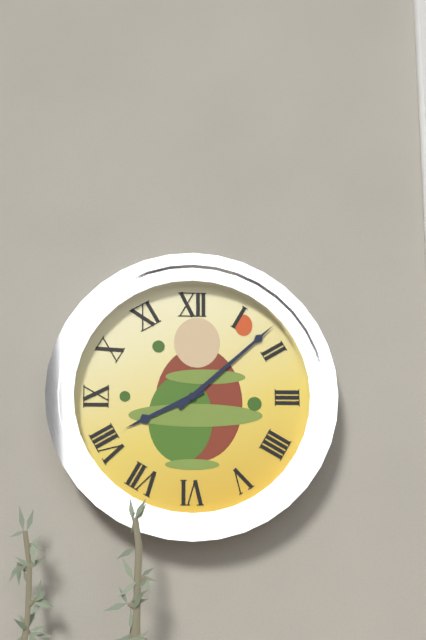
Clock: 8 h 08 min
